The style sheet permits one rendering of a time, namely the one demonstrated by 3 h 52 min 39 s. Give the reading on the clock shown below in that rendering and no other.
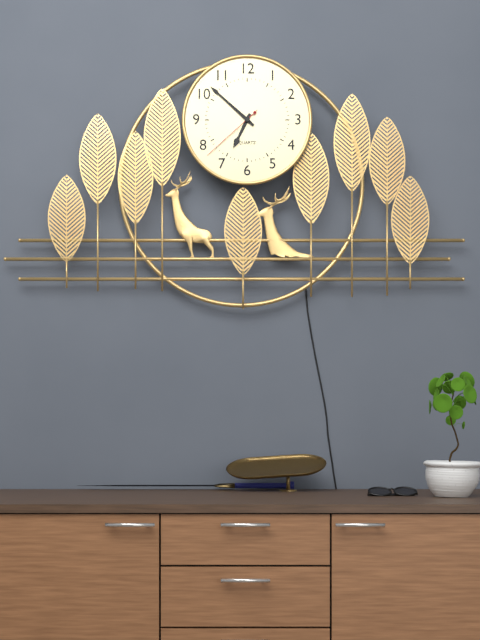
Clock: 6 h 52 min 38 s
